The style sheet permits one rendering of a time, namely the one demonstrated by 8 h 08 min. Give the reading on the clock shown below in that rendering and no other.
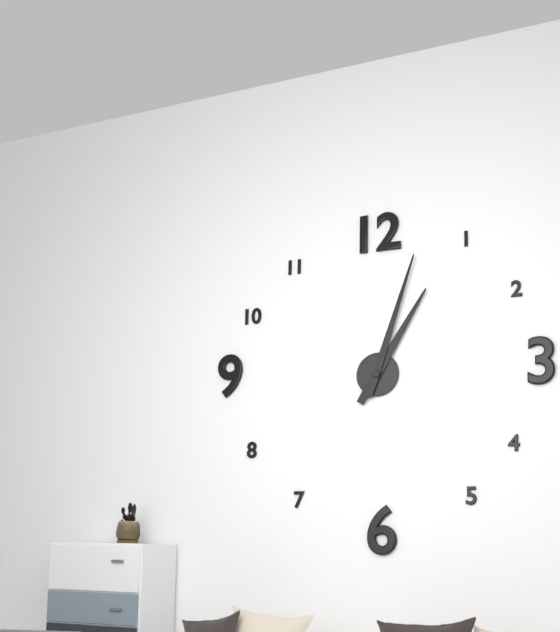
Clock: 1 h 03 min
